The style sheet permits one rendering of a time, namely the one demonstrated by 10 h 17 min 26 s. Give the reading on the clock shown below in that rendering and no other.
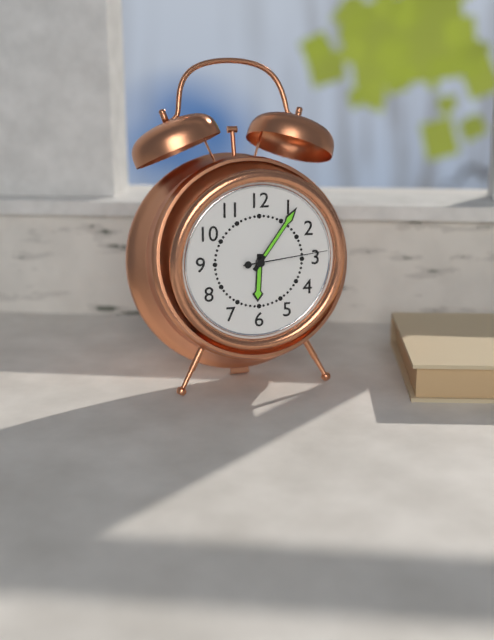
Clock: 6 h 06 min 14 s
